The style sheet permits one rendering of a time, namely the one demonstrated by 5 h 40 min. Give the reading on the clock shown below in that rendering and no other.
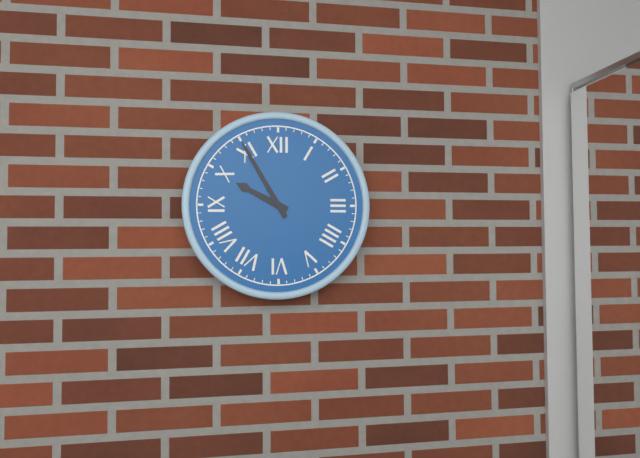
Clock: 9 h 55 min
